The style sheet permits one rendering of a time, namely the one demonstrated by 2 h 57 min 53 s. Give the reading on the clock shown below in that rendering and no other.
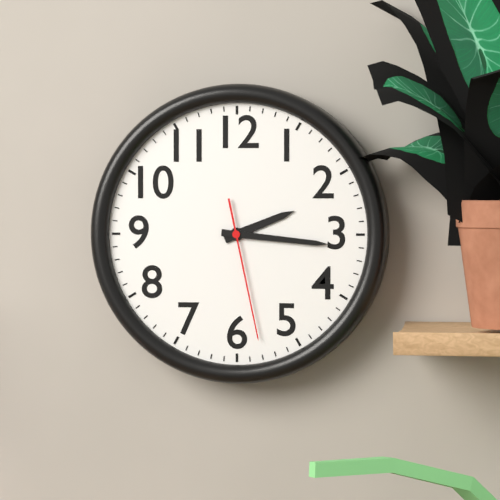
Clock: 2 h 16 min 28 s
